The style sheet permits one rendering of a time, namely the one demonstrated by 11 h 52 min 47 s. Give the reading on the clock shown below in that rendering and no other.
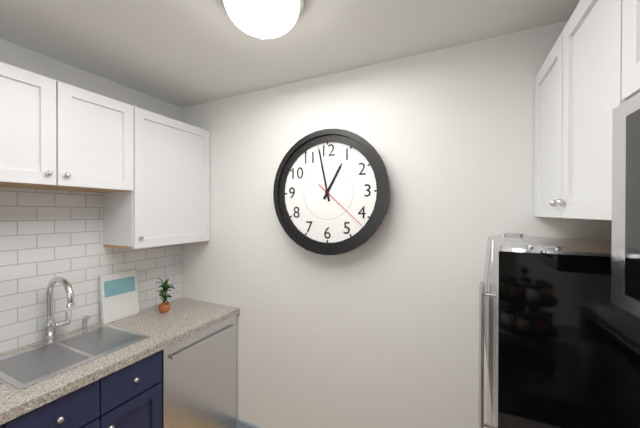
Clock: 12 h 58 min 22 s
